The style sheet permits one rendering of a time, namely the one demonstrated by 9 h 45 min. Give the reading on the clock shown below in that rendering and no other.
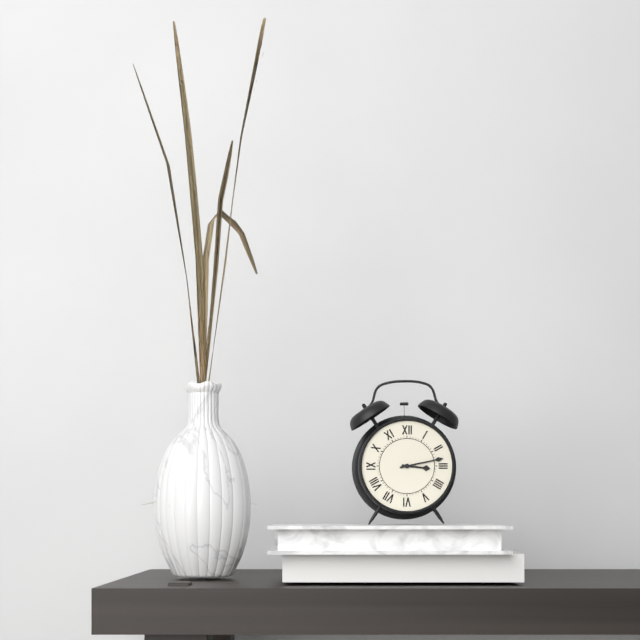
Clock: 3 h 13 min
